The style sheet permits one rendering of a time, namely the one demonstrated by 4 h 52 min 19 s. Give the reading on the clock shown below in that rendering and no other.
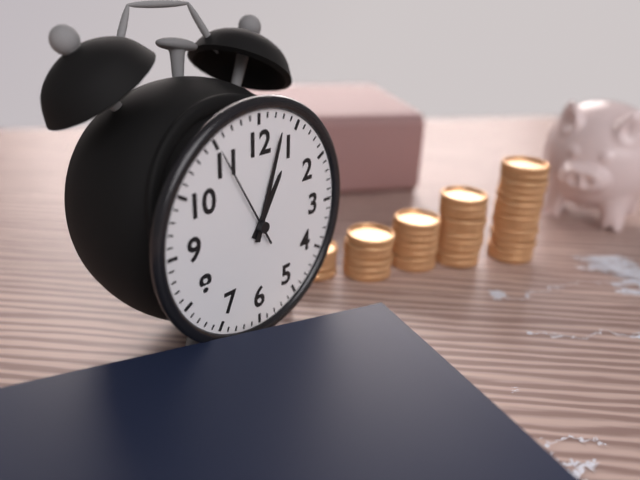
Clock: 1 h 03 min 55 s
